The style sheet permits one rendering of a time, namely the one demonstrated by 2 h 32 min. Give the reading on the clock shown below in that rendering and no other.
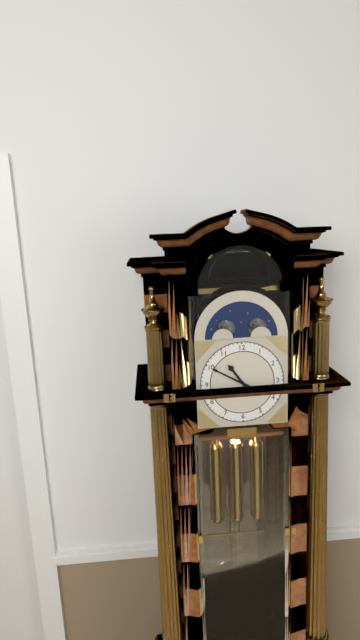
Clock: 10 h 50 min
